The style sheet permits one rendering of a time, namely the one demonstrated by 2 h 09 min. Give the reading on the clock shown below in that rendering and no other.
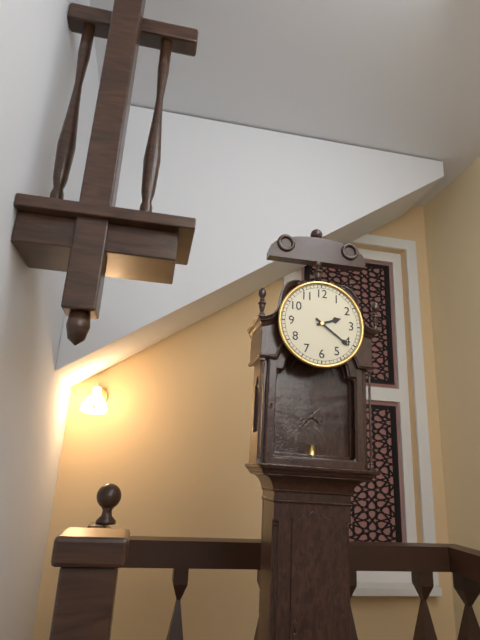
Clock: 2 h 21 min
